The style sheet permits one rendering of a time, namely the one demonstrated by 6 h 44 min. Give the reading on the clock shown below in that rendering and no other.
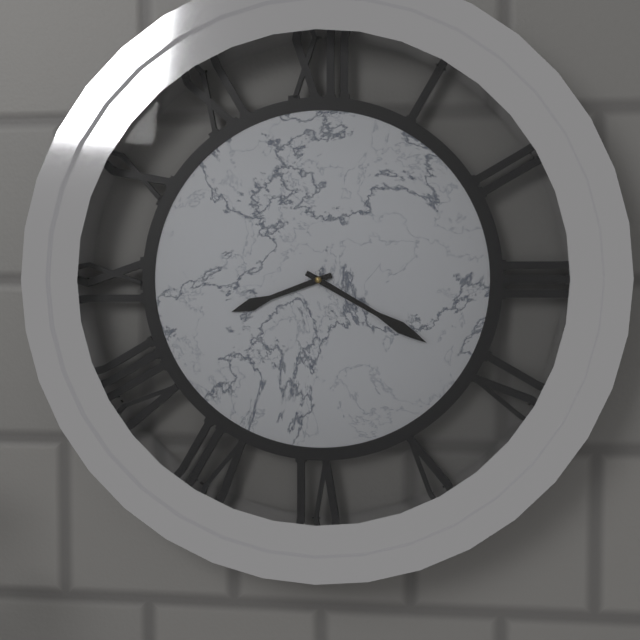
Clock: 8 h 20 min
